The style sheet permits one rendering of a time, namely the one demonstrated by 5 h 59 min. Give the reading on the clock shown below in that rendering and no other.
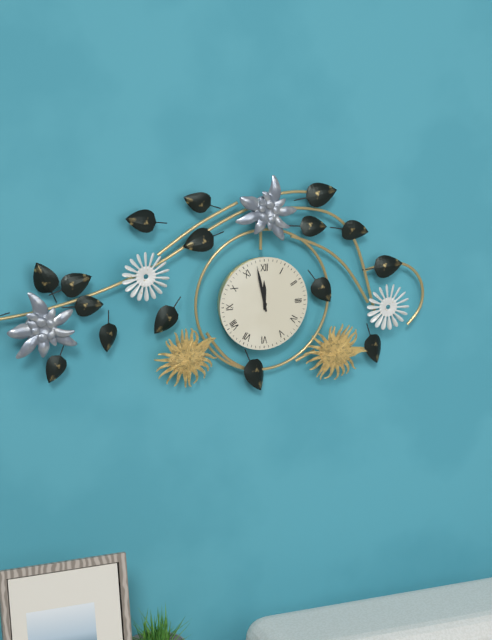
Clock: 11 h 58 min
